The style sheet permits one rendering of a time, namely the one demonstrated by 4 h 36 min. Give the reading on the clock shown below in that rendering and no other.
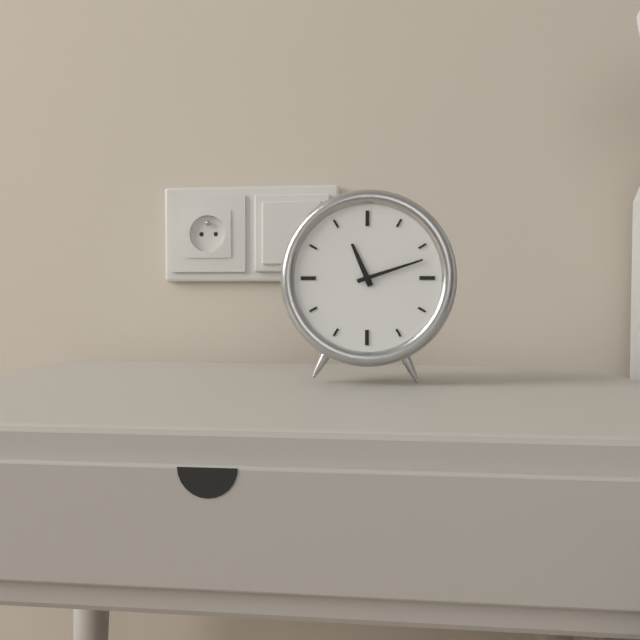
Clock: 11 h 12 min
